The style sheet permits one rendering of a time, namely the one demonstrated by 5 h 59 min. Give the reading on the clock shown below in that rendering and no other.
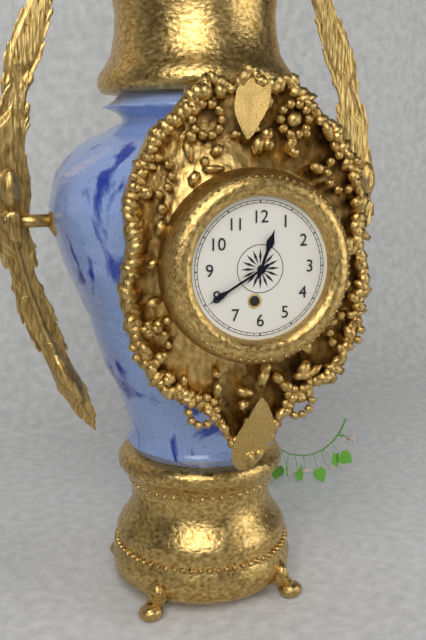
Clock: 12 h 40 min
